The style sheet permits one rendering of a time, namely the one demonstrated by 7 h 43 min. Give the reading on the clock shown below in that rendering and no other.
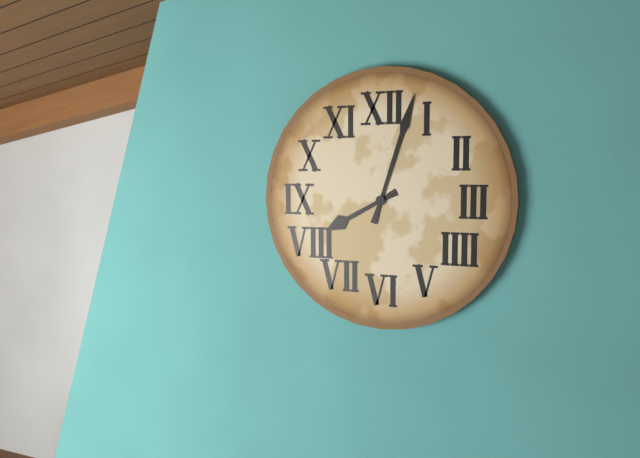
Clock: 8 h 03 min
